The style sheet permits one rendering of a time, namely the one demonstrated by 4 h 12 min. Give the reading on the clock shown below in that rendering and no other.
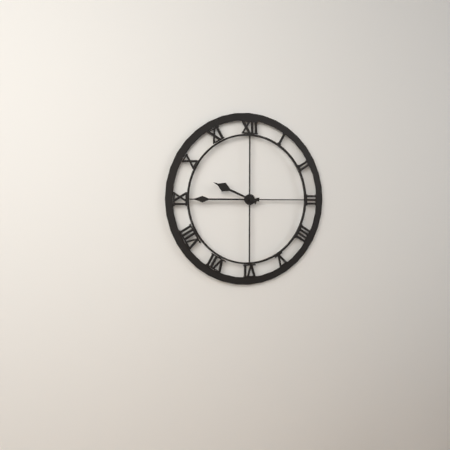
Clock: 9 h 45 min
